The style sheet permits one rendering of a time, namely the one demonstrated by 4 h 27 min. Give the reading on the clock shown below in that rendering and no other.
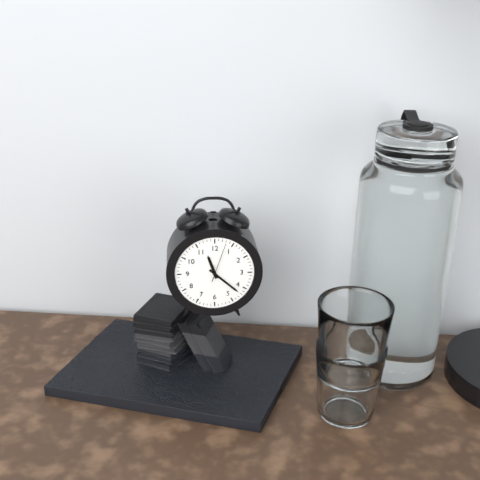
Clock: 11 h 22 min
